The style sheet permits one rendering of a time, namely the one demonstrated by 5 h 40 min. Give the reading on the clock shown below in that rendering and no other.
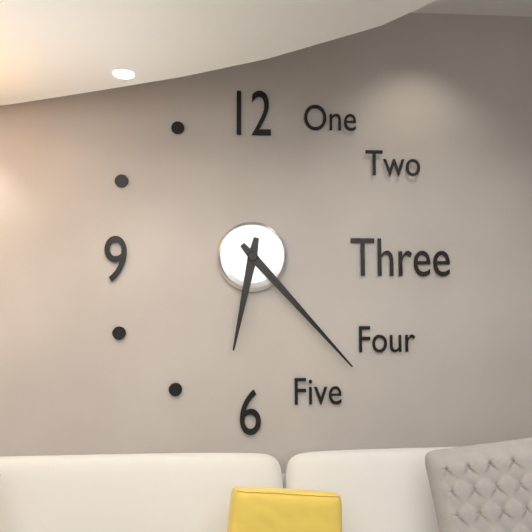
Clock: 6 h 23 min
